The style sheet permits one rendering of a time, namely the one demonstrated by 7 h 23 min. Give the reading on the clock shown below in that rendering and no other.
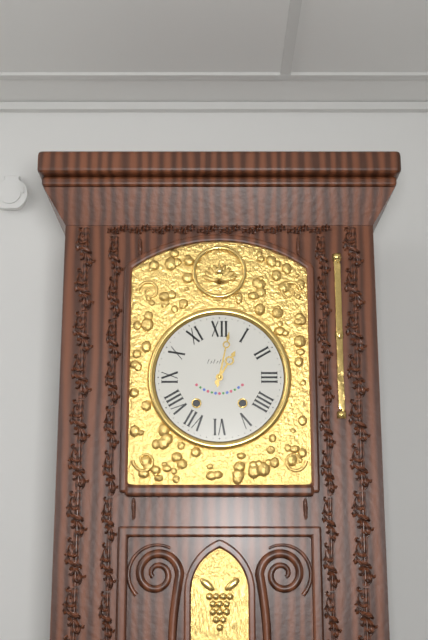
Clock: 1 h 02 min
